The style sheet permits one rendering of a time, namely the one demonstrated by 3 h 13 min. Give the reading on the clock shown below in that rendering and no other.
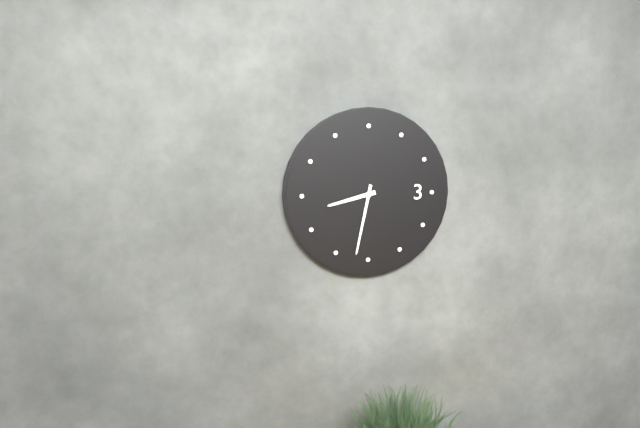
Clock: 8 h 32 min
